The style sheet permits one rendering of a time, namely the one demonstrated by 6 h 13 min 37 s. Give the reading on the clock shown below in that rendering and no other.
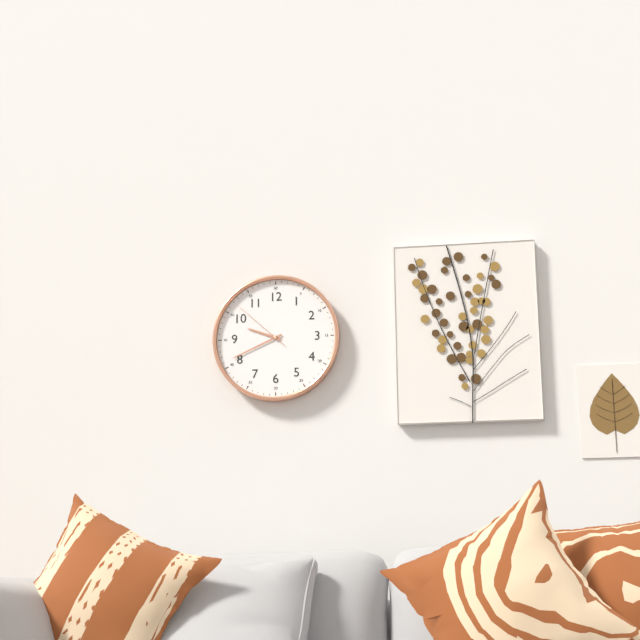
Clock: 9 h 41 min 52 s
